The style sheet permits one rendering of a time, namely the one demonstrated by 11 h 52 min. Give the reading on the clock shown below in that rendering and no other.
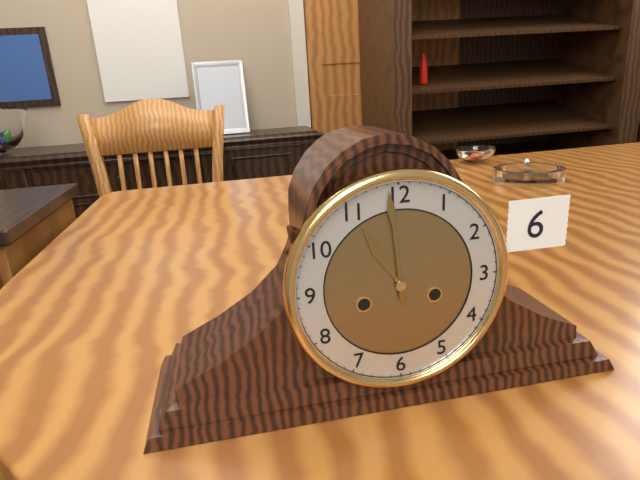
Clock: 10 h 59 min
